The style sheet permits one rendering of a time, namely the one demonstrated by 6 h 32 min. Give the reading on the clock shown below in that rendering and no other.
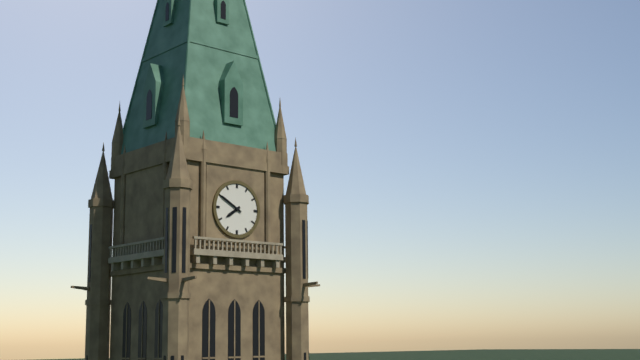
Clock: 7 h 50 min
